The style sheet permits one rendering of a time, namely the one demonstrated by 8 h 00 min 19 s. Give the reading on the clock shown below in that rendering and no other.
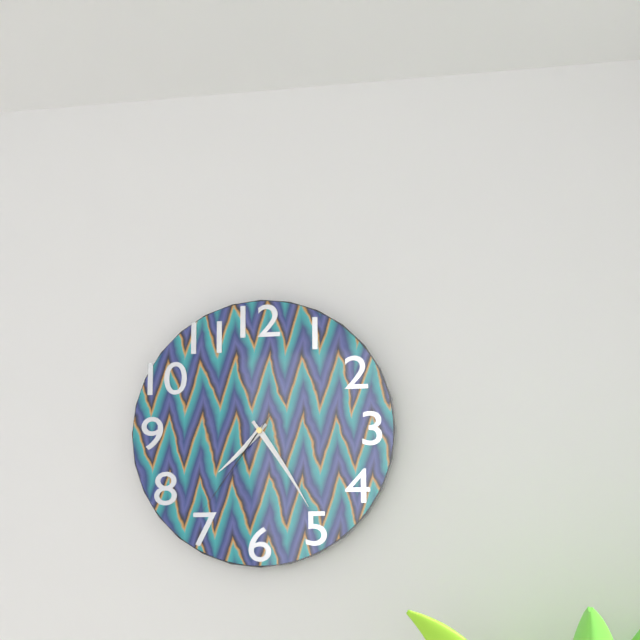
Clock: 7 h 24 min 36 s
